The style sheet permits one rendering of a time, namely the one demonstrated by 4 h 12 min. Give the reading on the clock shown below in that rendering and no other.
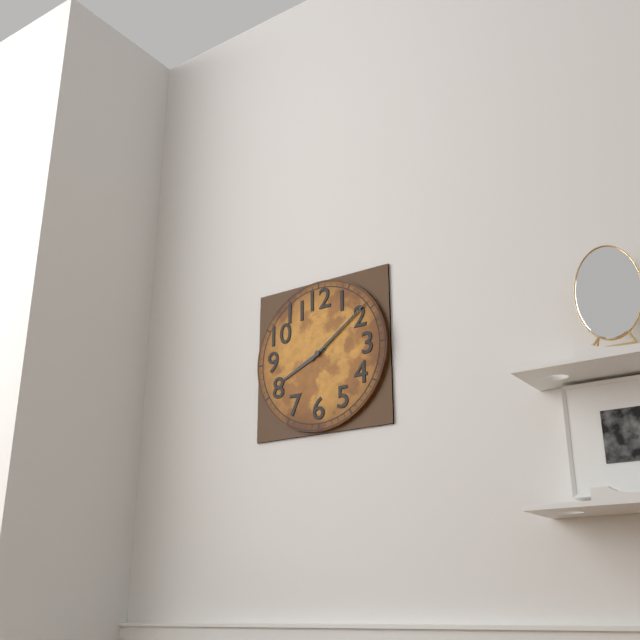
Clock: 8 h 09 min
